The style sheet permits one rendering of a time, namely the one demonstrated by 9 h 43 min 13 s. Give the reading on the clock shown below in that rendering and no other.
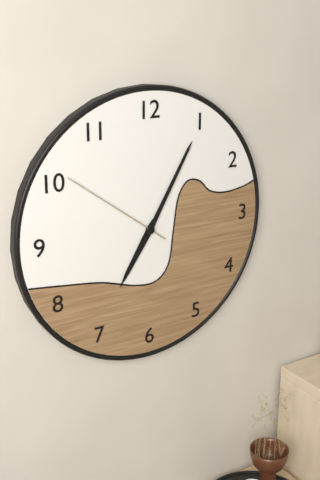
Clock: 7 h 05 min 51 s
